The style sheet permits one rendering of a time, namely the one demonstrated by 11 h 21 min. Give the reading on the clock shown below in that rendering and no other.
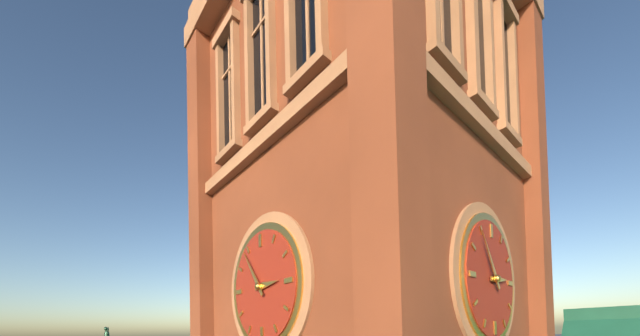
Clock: 2 h 54 min
